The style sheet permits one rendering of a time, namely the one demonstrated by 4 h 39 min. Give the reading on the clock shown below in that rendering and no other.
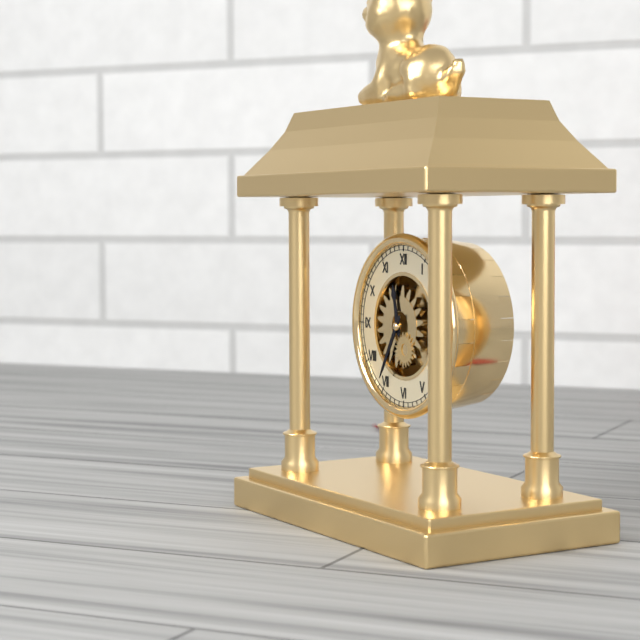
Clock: 11 h 35 min
